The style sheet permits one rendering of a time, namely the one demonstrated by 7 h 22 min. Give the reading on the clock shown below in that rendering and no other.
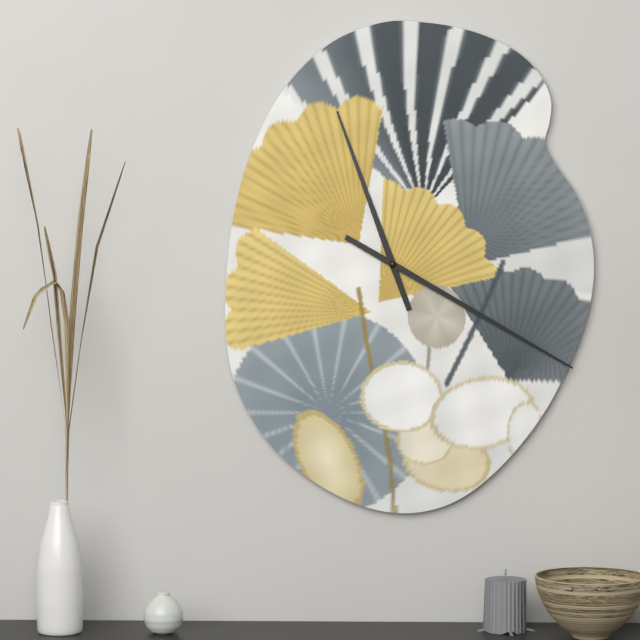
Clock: 11 h 20 min
